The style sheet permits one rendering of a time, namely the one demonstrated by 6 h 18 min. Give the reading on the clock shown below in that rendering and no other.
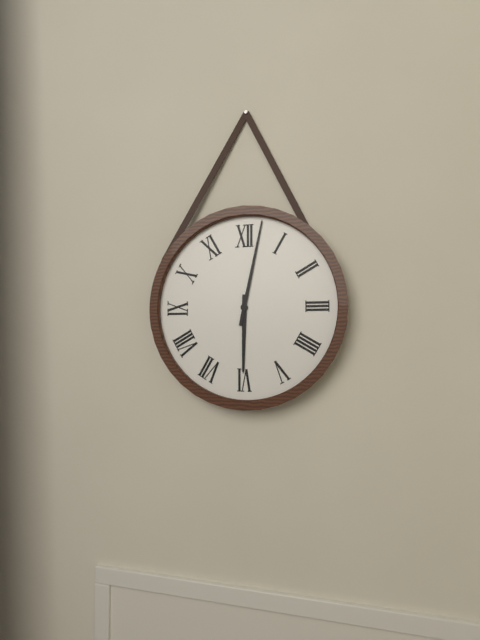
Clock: 6 h 02 min
